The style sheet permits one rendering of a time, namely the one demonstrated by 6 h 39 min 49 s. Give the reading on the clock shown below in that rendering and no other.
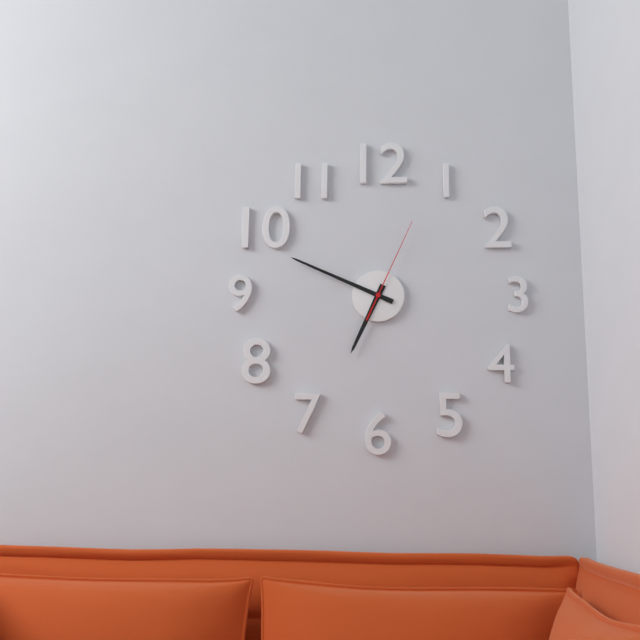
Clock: 6 h 49 min 04 s
